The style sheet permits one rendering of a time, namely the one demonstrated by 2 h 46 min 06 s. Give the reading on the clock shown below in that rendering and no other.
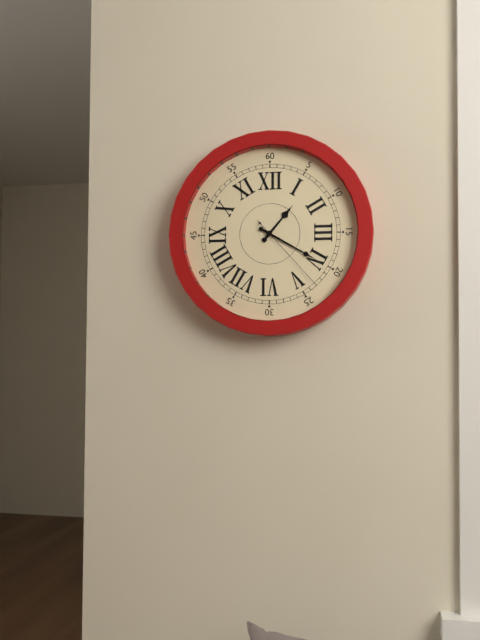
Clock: 1 h 20 min 23 s
